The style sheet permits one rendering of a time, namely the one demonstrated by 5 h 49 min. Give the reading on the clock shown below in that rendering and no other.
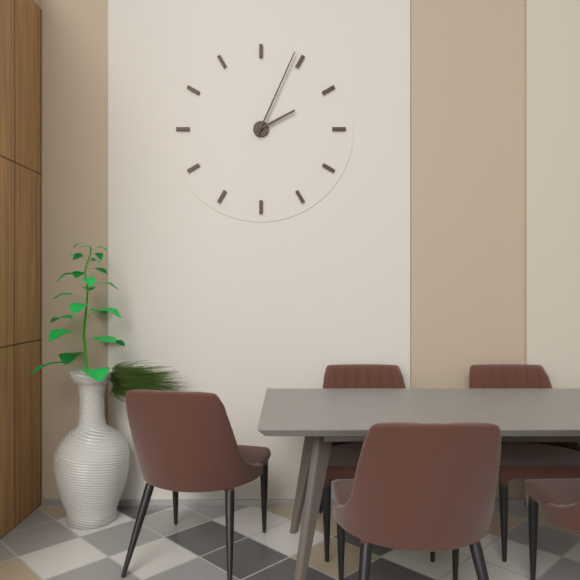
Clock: 2 h 04 min
